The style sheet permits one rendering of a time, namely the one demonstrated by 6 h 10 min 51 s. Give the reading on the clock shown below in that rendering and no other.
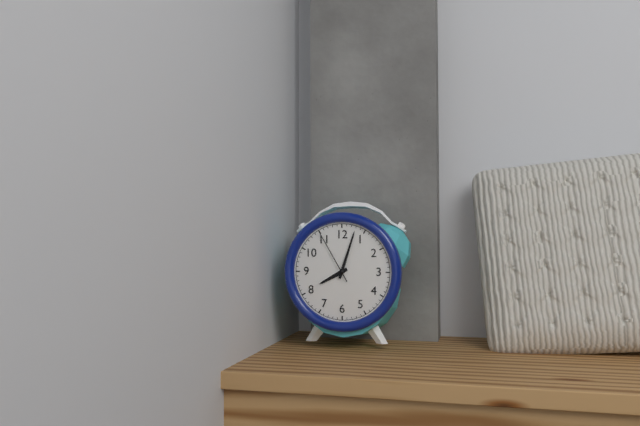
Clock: 8 h 03 min 55 s
